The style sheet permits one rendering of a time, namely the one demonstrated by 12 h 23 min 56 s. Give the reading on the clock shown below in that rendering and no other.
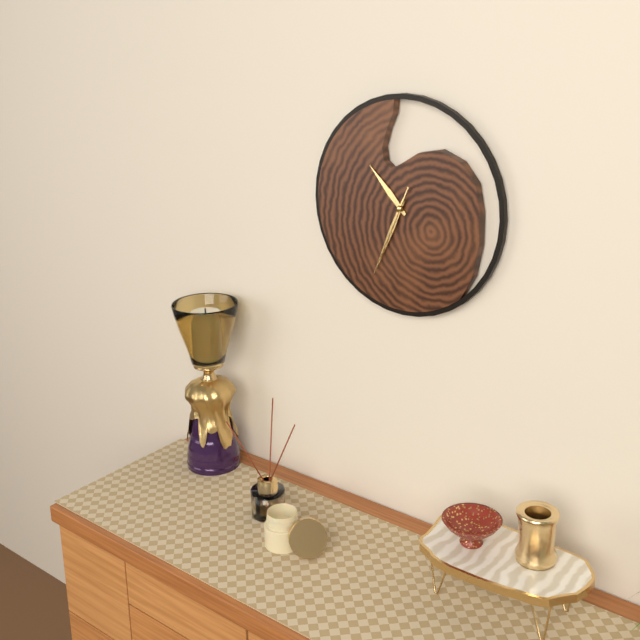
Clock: 10 h 34 min 34 s
